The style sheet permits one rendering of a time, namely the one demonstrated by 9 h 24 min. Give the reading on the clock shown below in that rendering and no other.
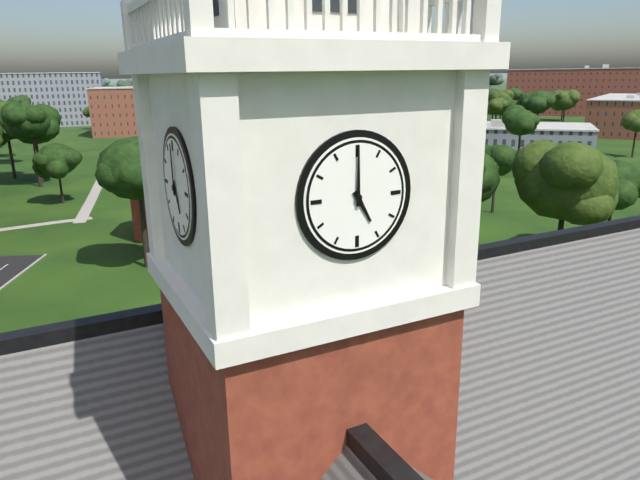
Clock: 5 h 00 min
